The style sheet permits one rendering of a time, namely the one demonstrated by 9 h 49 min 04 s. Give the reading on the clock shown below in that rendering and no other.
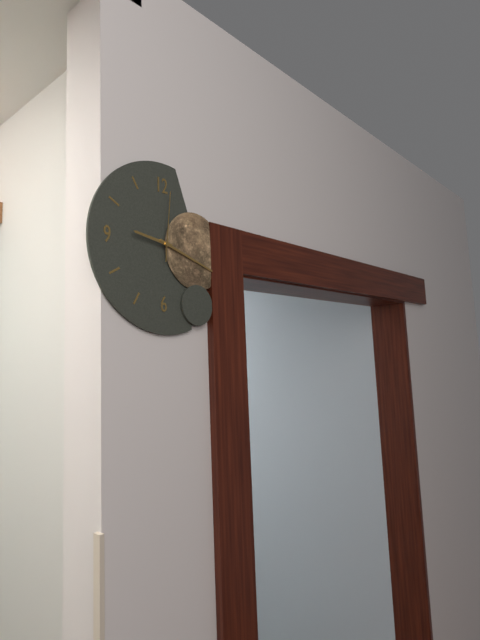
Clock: 9 h 18 min 01 s
